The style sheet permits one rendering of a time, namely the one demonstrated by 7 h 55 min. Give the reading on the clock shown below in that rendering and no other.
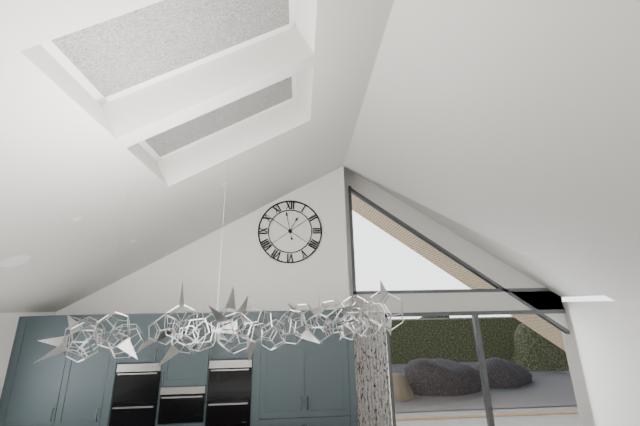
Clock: 12 h 58 min
